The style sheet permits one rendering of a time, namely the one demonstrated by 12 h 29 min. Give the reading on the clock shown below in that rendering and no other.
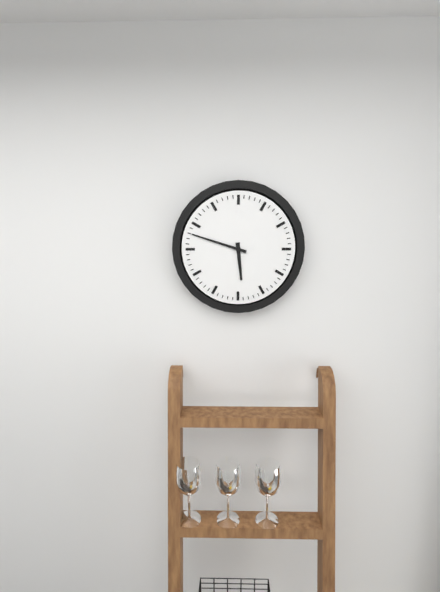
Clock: 5 h 48 min
